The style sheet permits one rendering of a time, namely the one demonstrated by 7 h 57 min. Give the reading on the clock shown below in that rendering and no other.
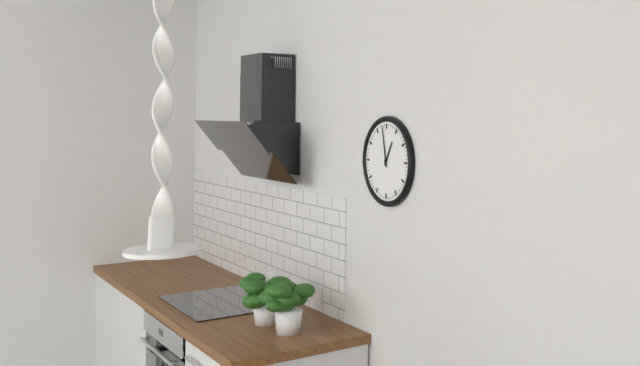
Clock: 12 h 58 min
